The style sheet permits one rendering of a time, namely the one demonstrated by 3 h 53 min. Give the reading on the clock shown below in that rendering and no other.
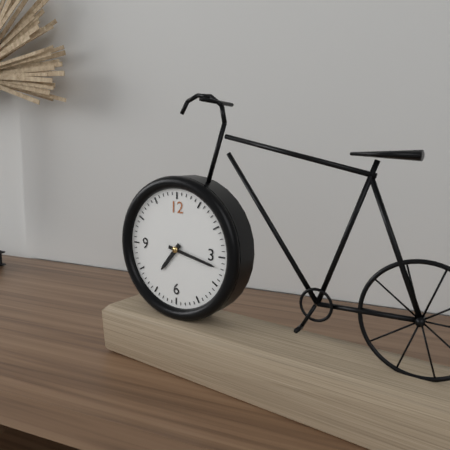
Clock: 7 h 17 min
